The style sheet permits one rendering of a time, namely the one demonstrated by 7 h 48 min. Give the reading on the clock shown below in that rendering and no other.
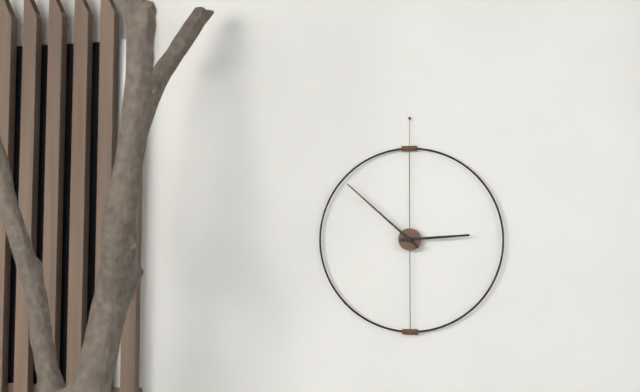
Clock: 2 h 52 min
